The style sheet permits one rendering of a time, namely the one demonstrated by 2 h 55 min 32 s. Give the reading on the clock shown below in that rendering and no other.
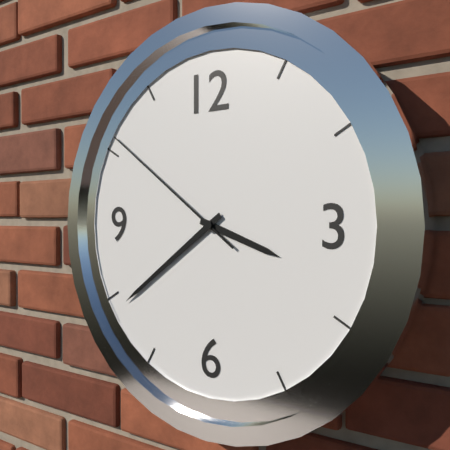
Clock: 3 h 39 min 51 s
